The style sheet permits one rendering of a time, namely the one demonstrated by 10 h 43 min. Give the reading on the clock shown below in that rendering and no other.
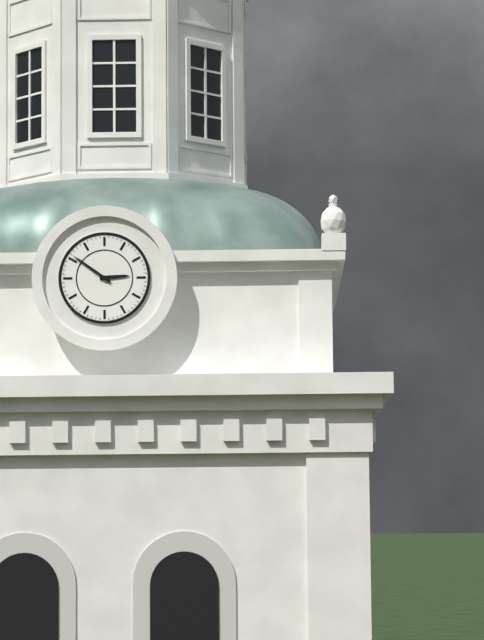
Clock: 2 h 51 min
